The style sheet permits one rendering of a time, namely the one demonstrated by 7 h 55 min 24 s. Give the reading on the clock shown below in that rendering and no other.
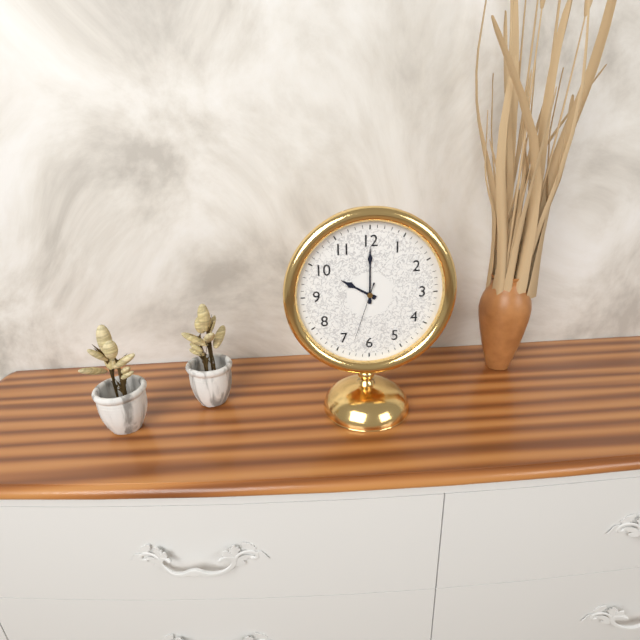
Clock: 10 h 00 min 33 s
